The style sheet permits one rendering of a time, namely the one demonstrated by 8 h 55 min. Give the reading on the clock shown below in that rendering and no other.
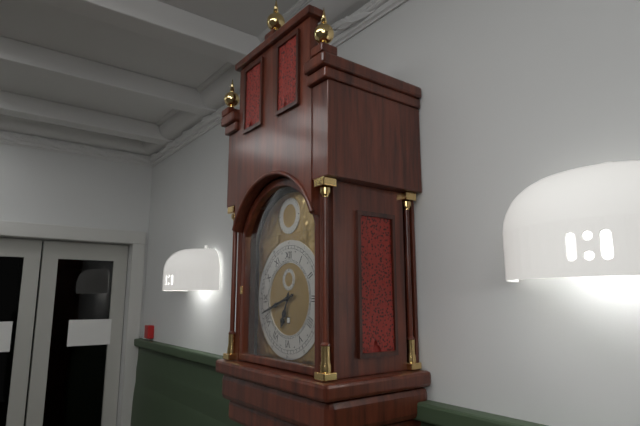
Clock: 6 h 42 min
